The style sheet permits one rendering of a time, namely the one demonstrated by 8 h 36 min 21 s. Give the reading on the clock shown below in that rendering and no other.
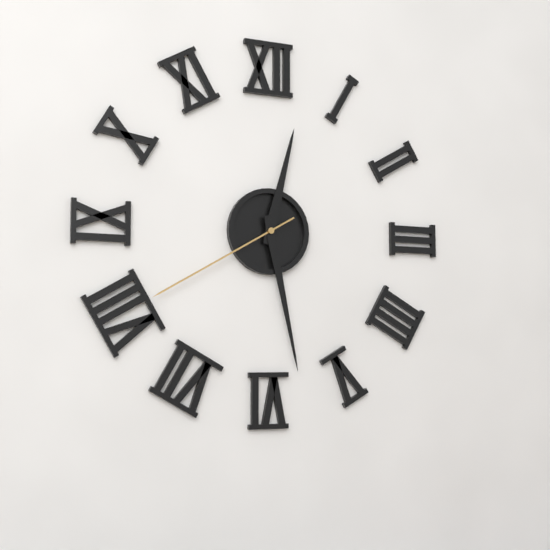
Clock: 12 h 28 min 40 s
